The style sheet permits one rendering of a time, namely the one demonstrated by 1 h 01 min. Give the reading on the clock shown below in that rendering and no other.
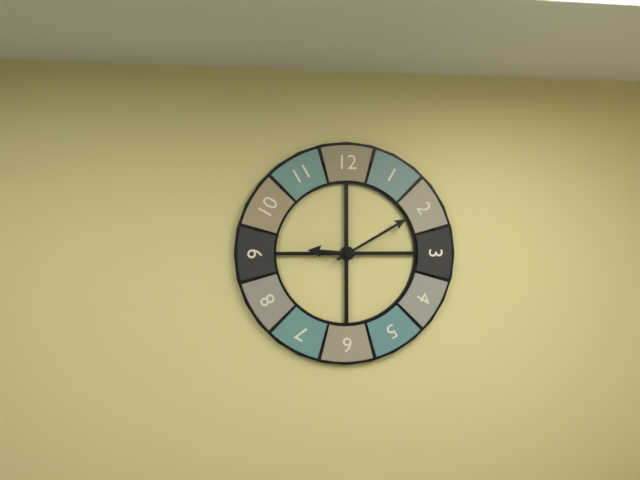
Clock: 9 h 10 min
